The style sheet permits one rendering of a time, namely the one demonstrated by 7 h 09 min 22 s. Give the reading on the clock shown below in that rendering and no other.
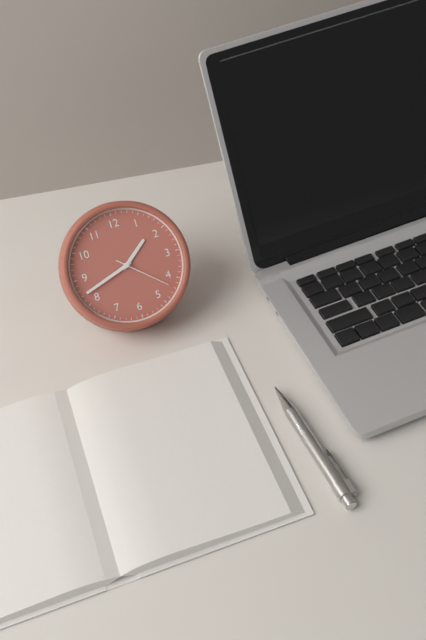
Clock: 1 h 42 min 22 s
